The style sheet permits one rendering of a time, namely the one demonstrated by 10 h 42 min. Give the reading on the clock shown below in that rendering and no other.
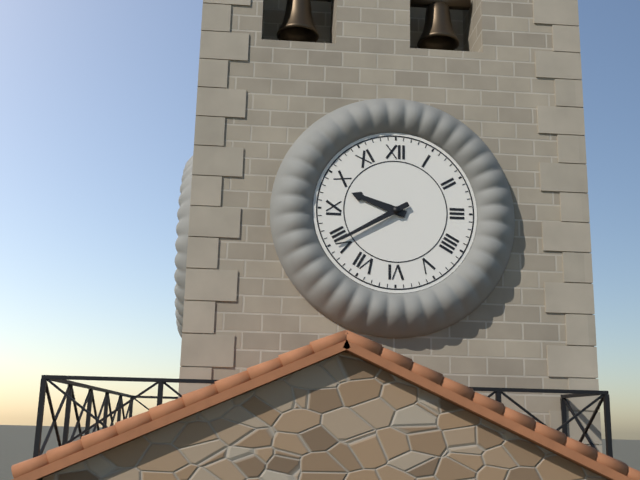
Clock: 9 h 40 min
